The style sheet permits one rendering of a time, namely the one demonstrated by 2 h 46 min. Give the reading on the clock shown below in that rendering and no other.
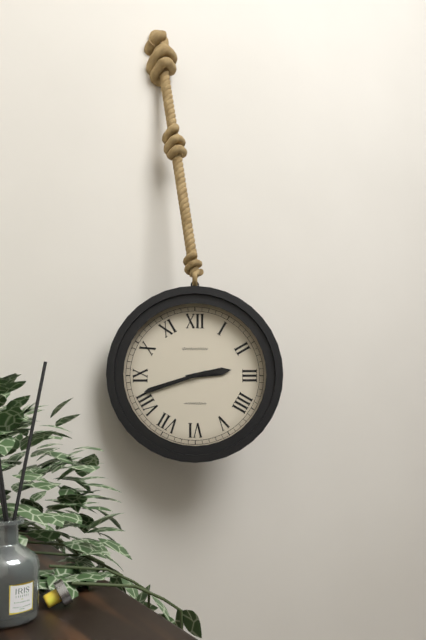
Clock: 2 h 42 min
